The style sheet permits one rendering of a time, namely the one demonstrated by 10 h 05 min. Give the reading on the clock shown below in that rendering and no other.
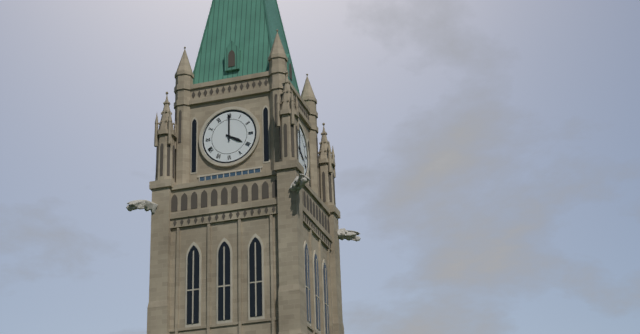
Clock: 4 h 00 min
